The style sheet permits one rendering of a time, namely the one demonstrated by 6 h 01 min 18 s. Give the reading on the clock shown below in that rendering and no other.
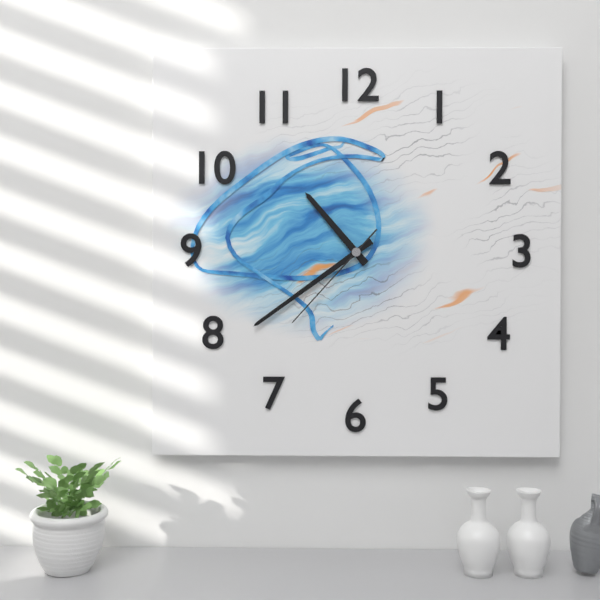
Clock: 10 h 39 min 37 s
